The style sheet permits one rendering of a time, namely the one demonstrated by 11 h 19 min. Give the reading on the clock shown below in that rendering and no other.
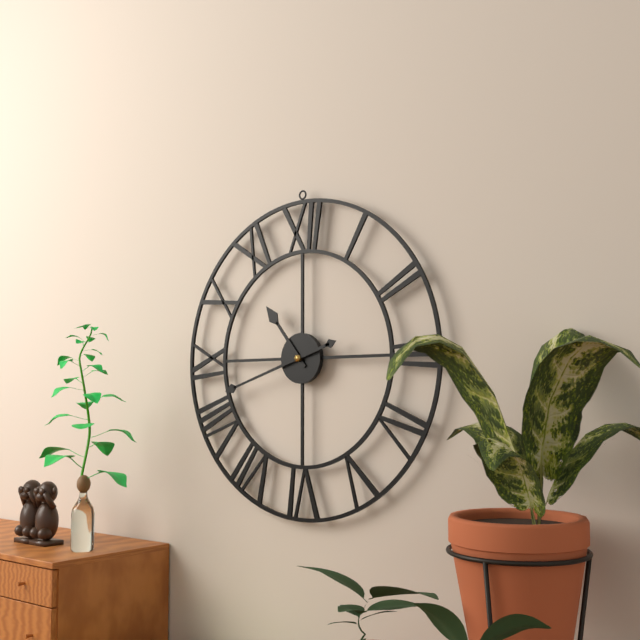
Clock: 10 h 42 min
